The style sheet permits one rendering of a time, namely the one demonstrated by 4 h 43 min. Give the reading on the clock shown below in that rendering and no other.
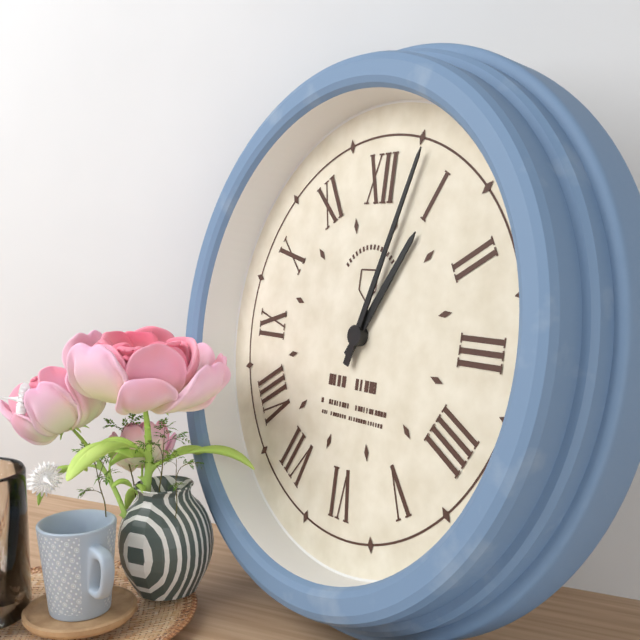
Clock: 1 h 03 min
